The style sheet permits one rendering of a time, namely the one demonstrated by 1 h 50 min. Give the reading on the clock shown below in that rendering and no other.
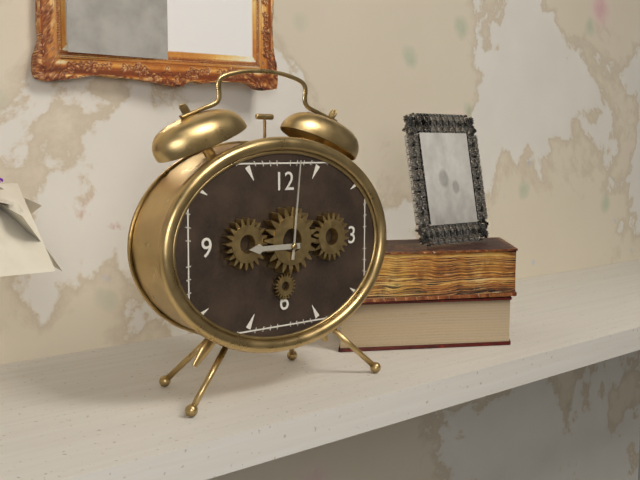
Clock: 9 h 01 min
